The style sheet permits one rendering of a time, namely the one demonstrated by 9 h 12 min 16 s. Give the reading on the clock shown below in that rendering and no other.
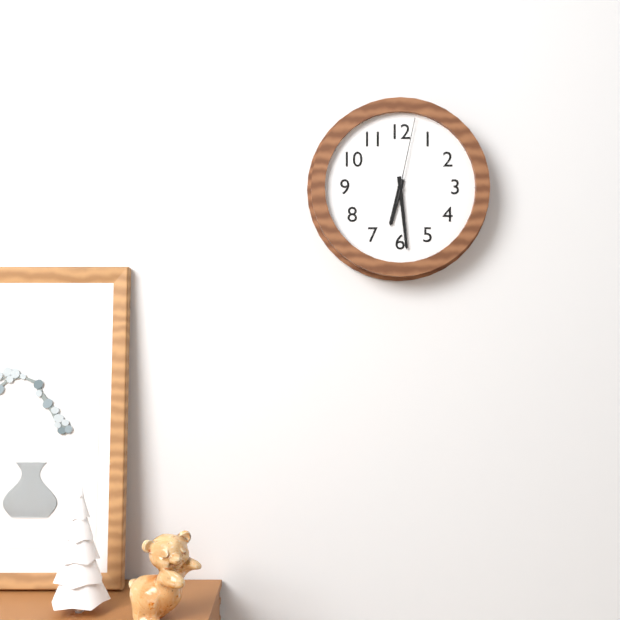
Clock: 6 h 29 min 02 s
